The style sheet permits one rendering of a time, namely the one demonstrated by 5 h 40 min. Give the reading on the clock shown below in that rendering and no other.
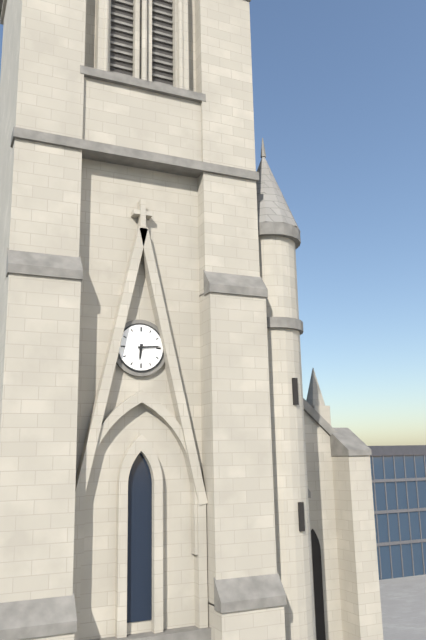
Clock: 6 h 14 min
